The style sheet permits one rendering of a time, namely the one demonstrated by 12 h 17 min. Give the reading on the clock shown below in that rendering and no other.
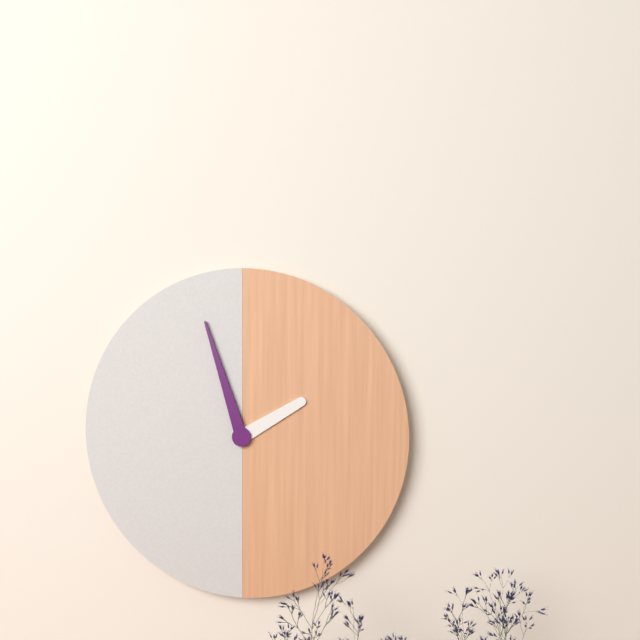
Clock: 1 h 57 min
